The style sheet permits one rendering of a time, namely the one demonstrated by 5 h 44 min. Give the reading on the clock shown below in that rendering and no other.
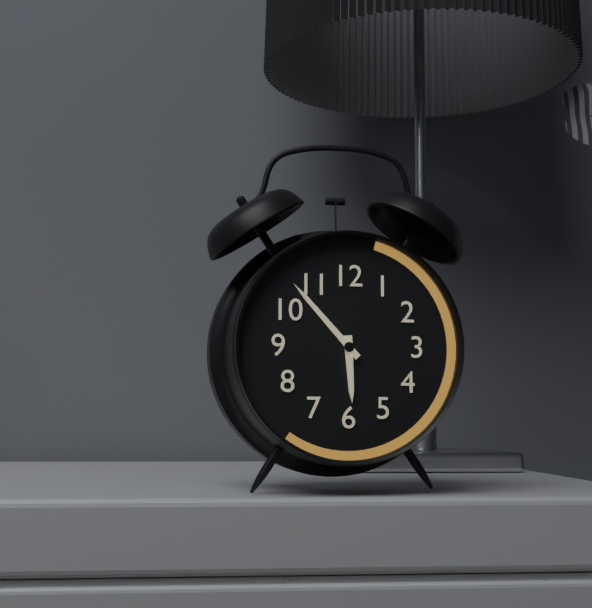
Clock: 5 h 53 min
